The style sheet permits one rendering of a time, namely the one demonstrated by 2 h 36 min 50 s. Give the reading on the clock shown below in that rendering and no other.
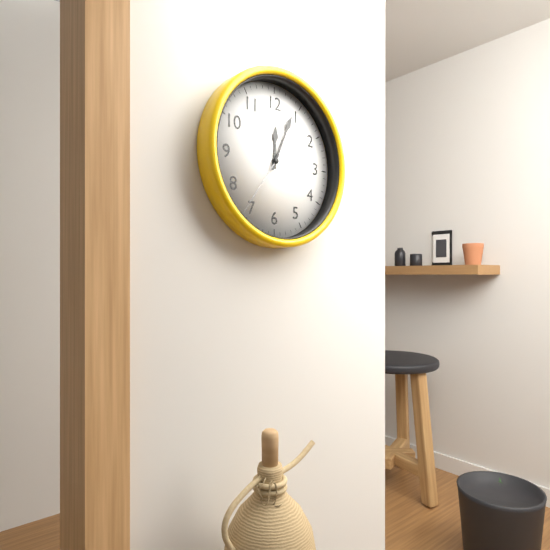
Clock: 12 h 04 min 36 s
